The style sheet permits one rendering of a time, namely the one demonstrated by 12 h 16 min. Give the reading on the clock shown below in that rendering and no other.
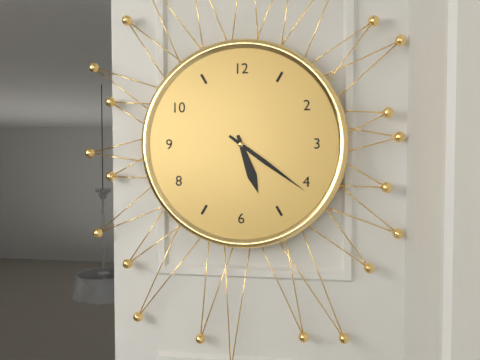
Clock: 5 h 21 min
